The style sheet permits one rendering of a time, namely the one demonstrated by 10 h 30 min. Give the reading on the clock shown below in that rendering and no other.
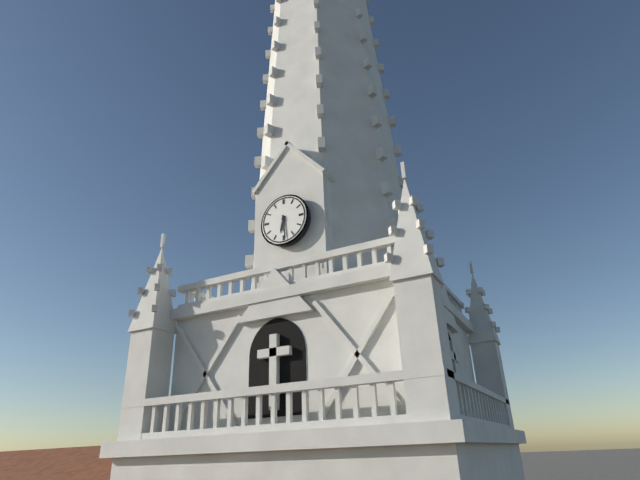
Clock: 6 h 29 min
